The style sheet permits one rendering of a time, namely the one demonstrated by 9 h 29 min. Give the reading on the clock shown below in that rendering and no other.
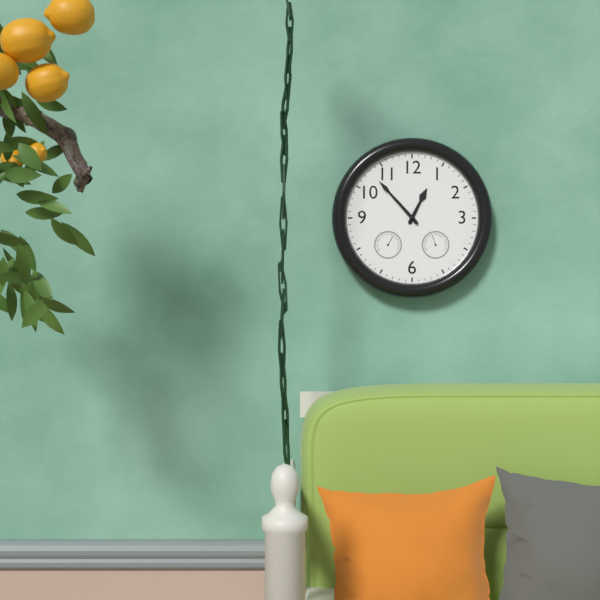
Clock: 12 h 53 min
